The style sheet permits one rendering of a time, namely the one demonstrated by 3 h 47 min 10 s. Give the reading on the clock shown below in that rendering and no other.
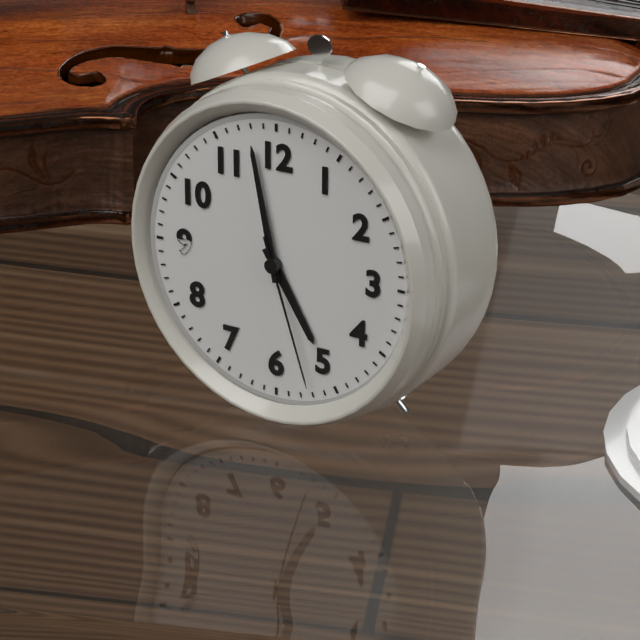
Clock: 4 h 58 min 27 s
